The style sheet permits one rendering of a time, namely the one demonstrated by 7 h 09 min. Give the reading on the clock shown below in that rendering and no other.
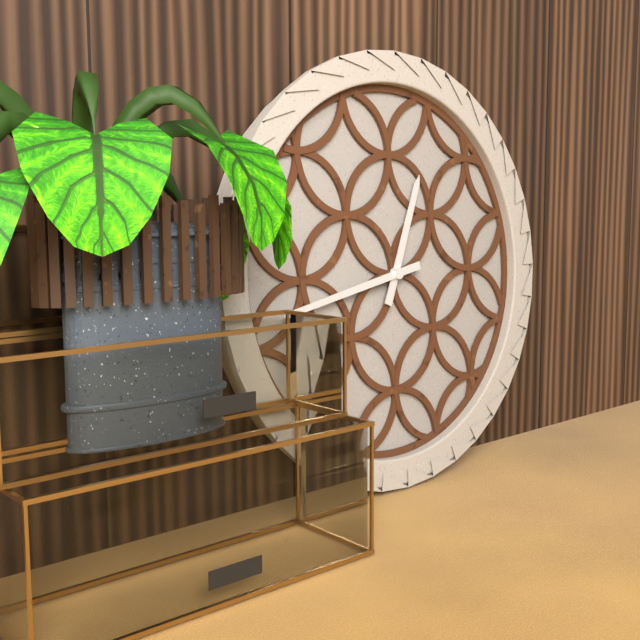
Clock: 12 h 43 min
